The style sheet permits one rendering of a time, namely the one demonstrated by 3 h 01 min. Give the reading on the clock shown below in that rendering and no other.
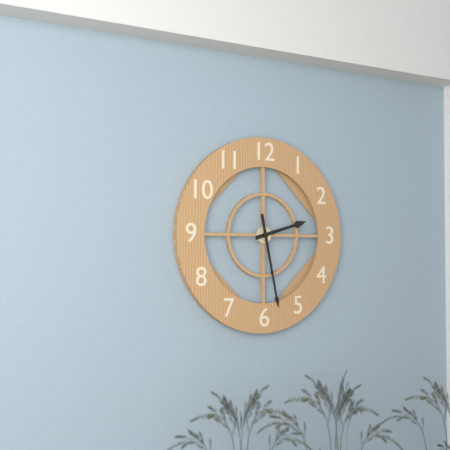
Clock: 2 h 28 min
